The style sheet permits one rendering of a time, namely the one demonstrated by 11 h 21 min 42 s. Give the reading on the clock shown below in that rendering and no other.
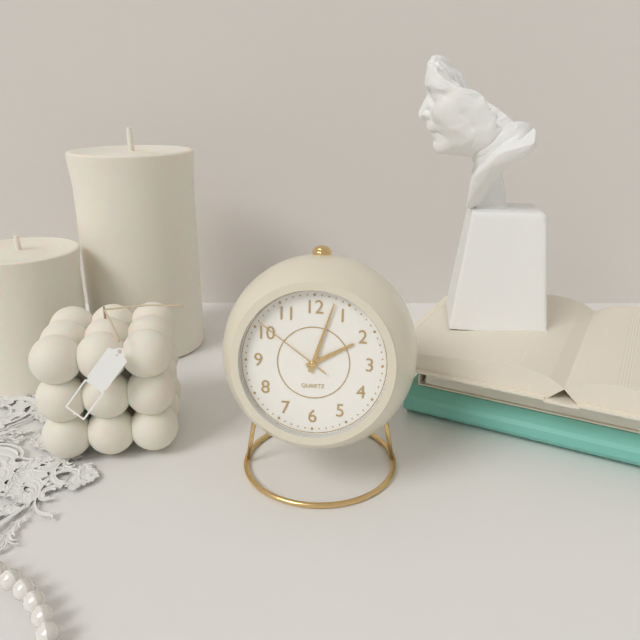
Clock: 2 h 03 min 51 s
